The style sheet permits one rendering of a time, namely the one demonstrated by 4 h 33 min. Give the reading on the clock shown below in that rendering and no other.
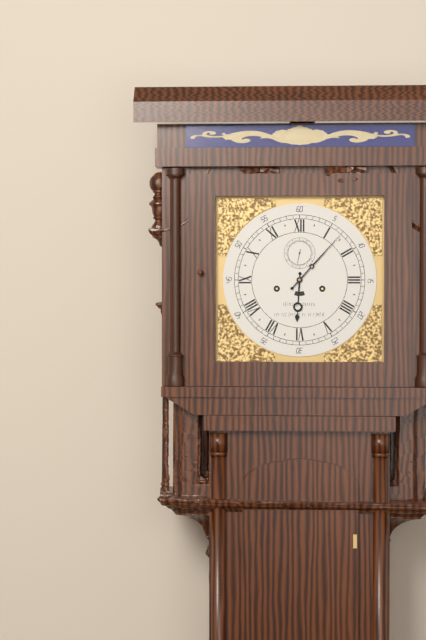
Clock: 6 h 07 min
